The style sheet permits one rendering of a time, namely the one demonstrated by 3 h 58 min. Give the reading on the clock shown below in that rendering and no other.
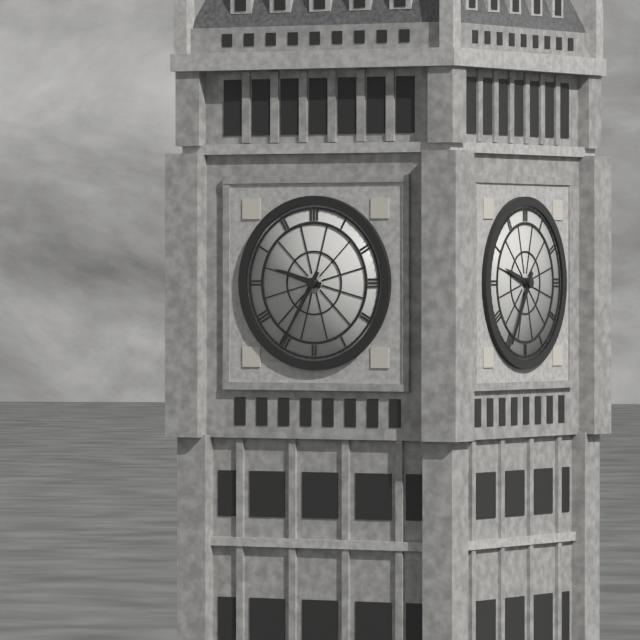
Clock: 9 h 35 min
